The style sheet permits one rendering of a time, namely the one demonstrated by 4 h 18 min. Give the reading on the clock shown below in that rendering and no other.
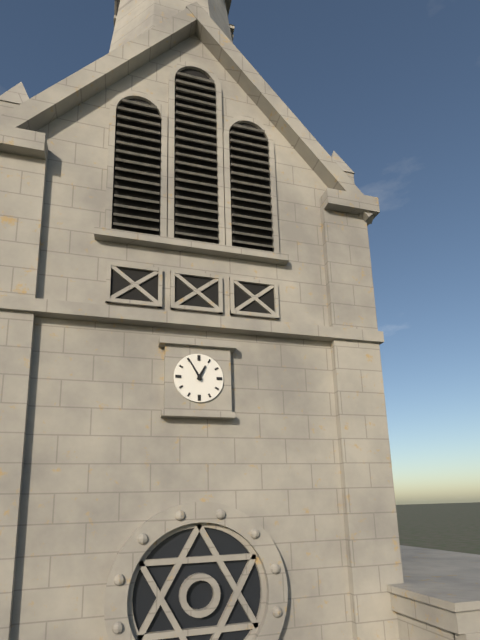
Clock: 12 h 55 min
